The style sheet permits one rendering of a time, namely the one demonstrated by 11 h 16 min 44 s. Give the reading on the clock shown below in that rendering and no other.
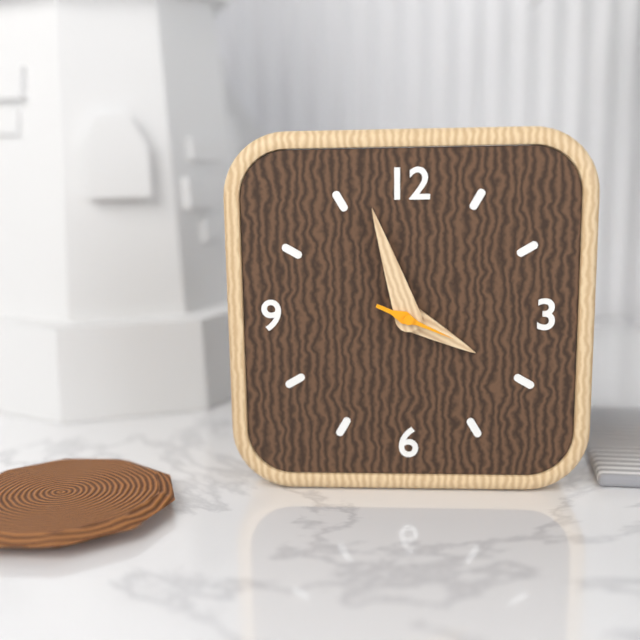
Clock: 3 h 57 min 19 s
